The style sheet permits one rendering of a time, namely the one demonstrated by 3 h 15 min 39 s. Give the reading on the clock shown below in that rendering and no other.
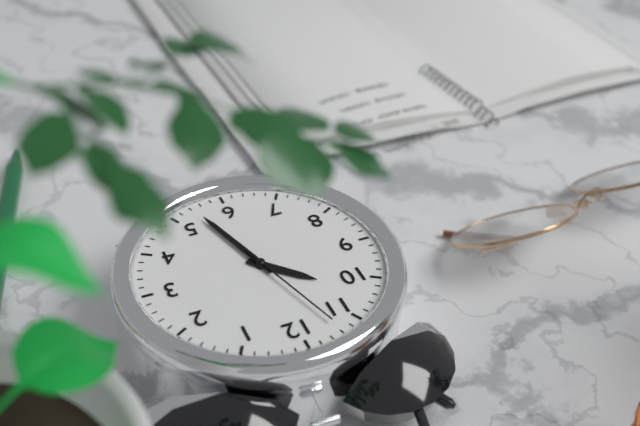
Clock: 10 h 27 min 57 s
